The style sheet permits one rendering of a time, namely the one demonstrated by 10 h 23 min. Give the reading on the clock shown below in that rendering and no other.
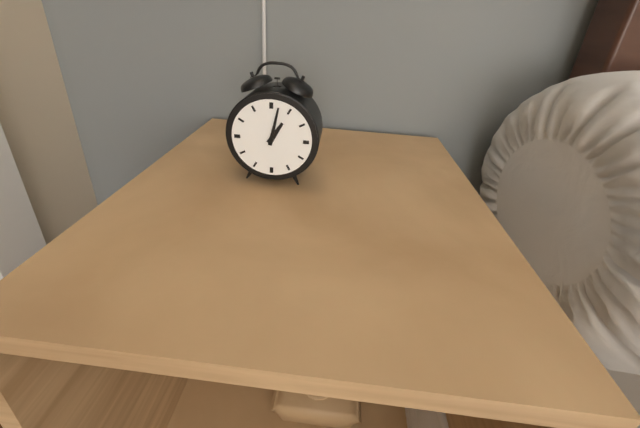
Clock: 1 h 02 min
